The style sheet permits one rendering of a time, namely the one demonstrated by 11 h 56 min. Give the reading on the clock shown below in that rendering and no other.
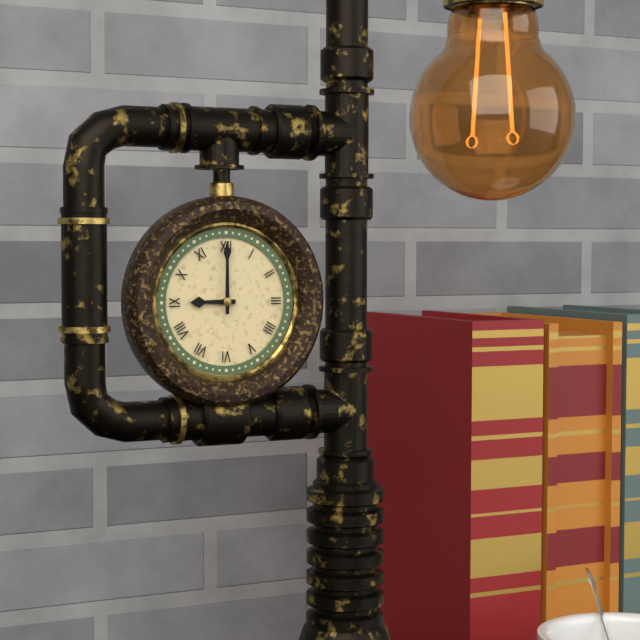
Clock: 9 h 00 min
